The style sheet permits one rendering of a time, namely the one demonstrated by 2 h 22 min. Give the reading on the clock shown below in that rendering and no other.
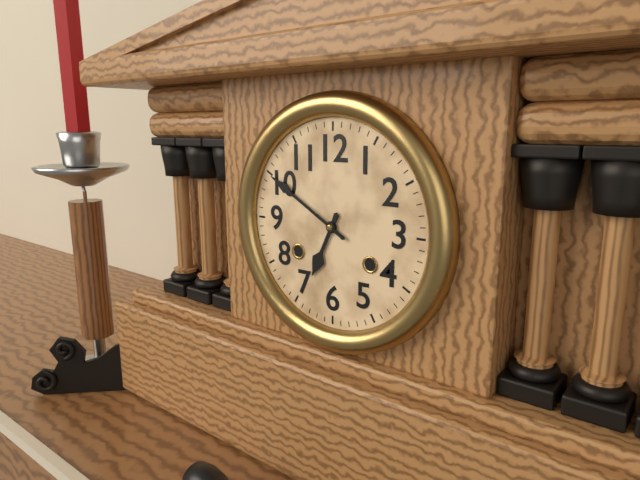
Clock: 6 h 50 min
